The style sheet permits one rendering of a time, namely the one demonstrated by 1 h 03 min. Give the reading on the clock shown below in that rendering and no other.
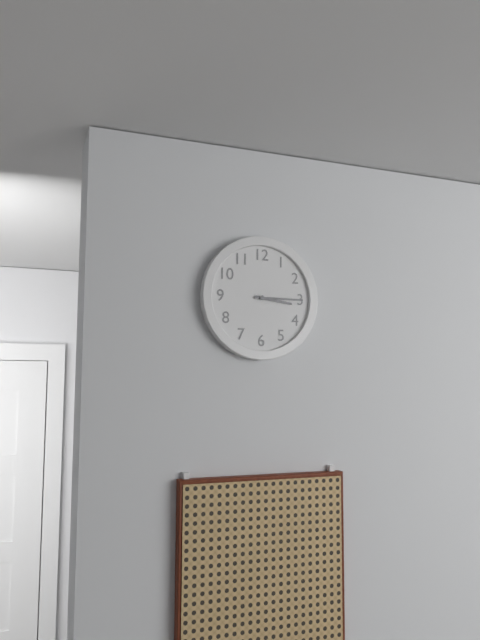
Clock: 3 h 15 min
